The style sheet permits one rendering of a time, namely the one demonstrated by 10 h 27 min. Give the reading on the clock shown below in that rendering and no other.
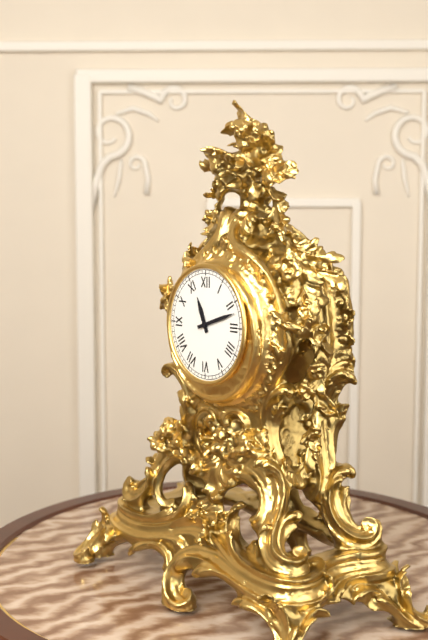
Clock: 11 h 12 min
